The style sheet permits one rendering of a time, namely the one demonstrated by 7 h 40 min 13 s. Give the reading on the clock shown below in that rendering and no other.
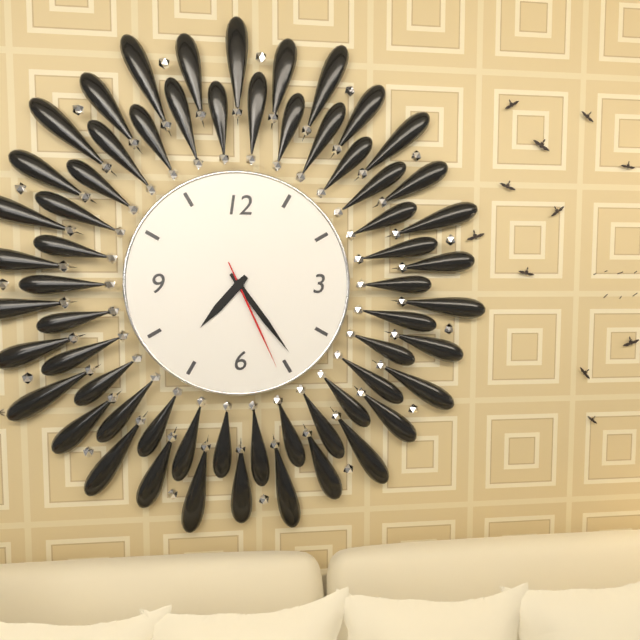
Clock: 7 h 24 min 26 s
